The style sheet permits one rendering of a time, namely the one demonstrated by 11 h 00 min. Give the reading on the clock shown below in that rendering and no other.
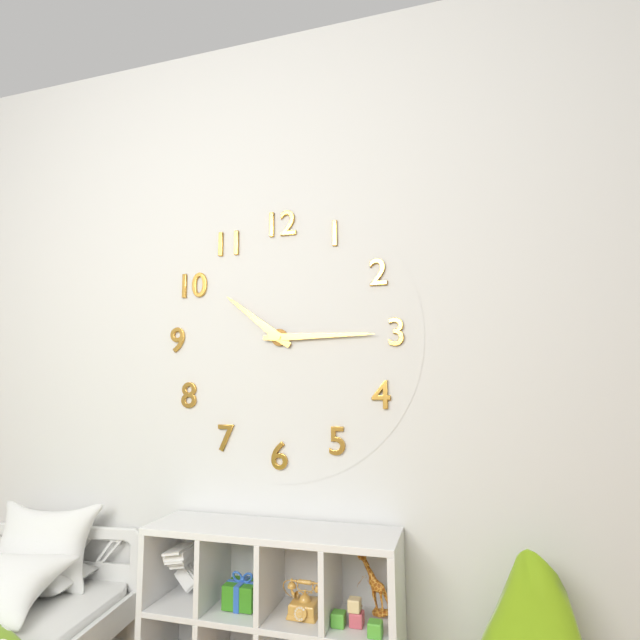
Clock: 10 h 15 min
